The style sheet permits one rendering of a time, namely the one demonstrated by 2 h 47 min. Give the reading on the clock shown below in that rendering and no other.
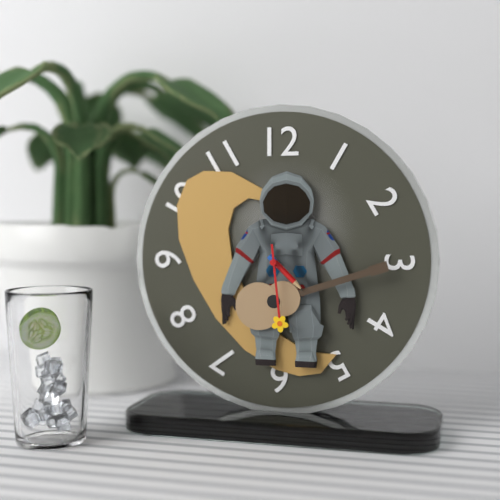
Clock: 4 h 29 min
